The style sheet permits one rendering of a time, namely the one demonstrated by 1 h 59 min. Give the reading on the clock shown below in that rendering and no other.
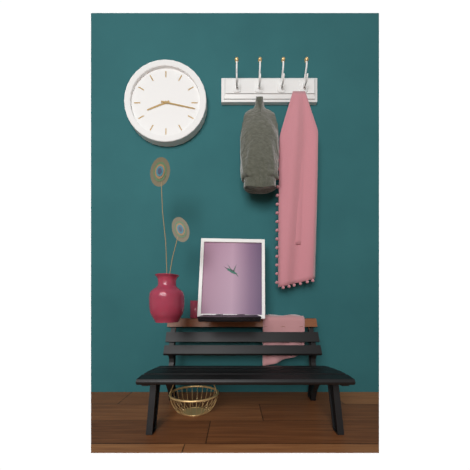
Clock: 8 h 17 min
